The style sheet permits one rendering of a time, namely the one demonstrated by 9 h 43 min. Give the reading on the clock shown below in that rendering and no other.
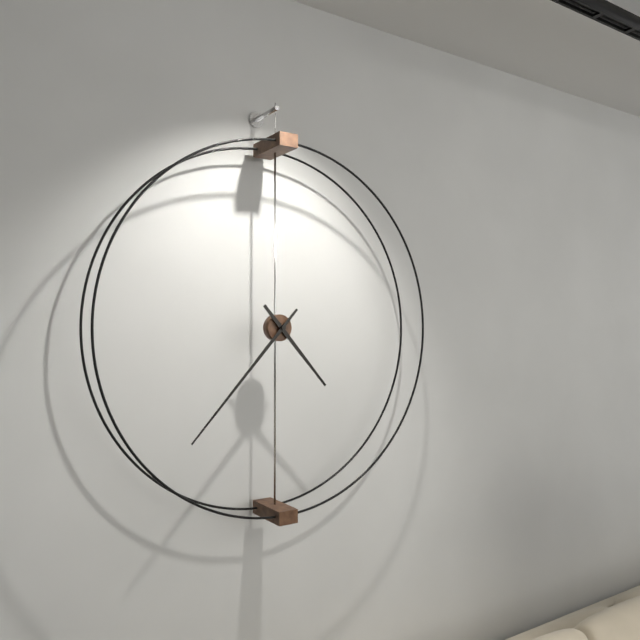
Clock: 4 h 37 min
